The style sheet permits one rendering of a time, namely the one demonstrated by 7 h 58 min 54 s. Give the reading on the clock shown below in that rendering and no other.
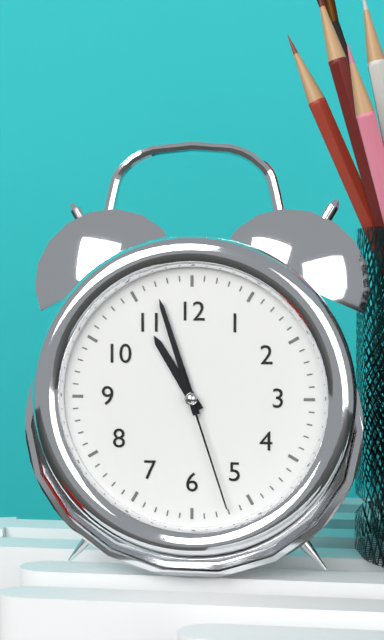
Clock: 10 h 57 min 27 s
